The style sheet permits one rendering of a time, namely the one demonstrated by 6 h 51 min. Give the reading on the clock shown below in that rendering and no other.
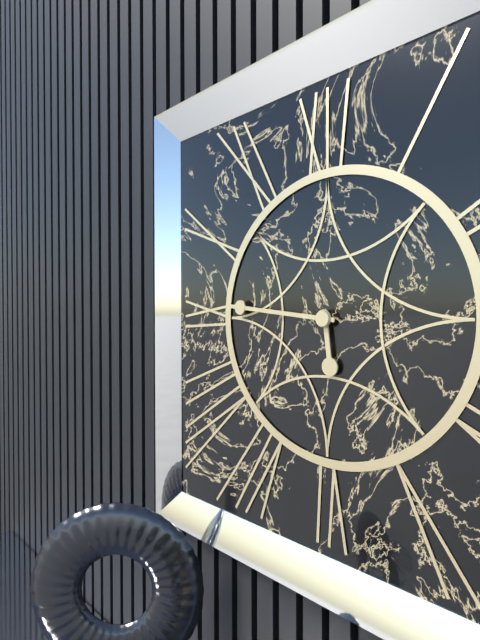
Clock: 5 h 46 min
